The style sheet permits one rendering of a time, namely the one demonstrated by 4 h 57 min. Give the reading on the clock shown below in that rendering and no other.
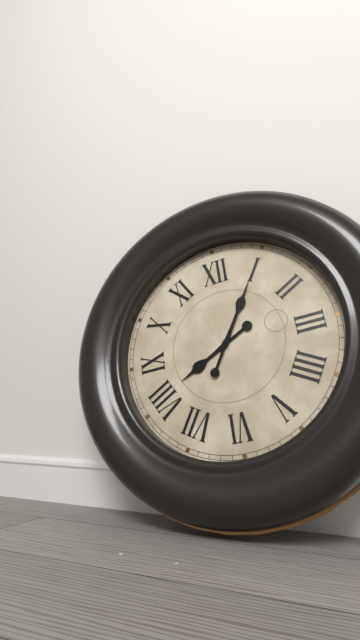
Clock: 8 h 05 min
